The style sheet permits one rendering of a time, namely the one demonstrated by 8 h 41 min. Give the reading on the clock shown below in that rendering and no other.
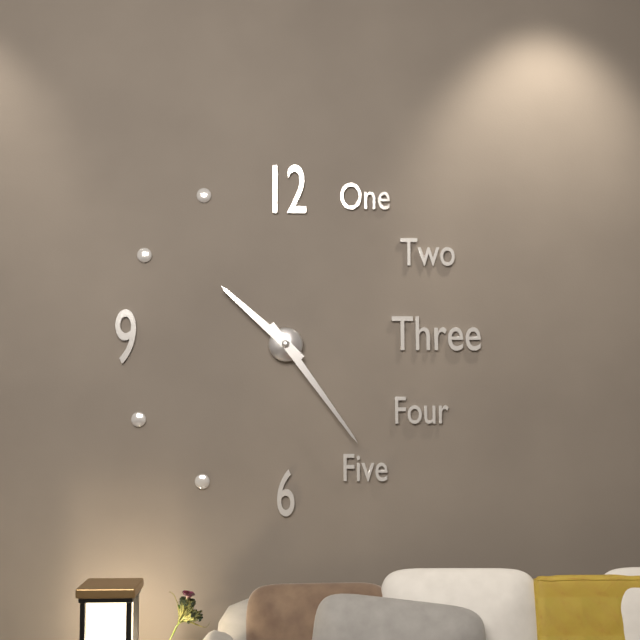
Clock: 10 h 24 min
